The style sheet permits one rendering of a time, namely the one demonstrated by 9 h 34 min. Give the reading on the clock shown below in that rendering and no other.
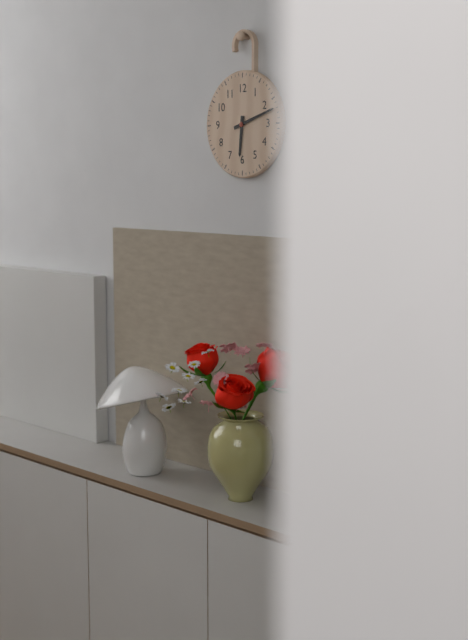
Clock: 6 h 12 min
